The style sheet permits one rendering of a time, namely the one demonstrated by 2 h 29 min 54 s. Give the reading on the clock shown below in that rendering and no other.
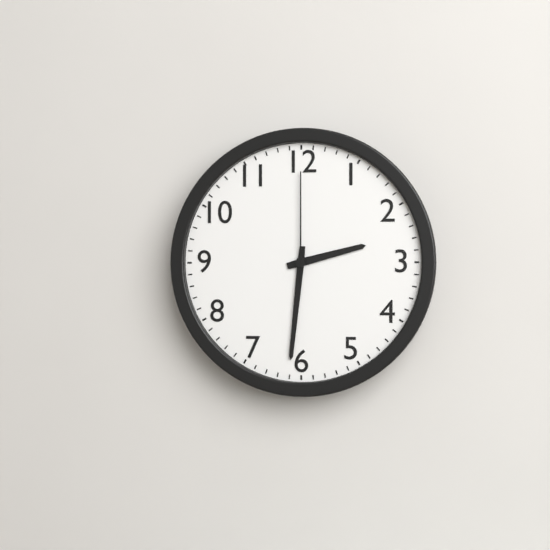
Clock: 2 h 31 min 00 s
